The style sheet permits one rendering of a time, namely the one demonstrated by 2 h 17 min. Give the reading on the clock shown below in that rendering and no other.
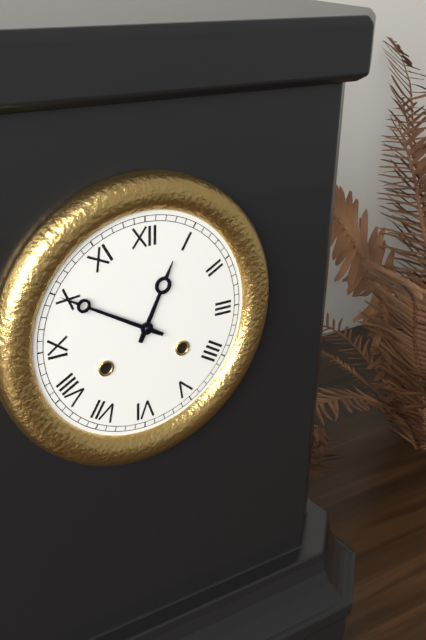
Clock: 12 h 50 min
